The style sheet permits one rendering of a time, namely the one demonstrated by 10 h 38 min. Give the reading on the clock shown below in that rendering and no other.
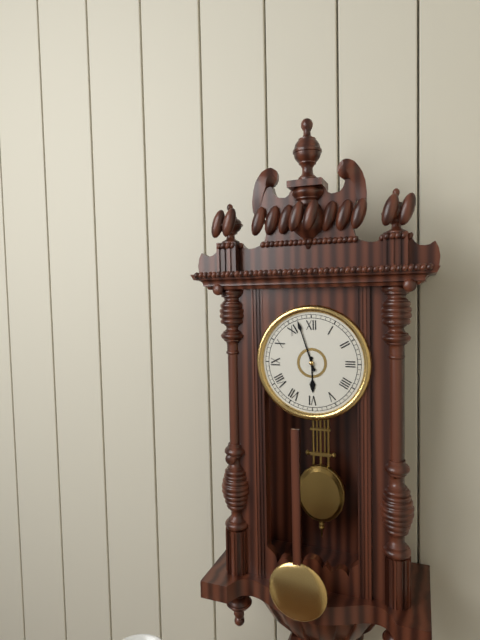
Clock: 5 h 57 min
